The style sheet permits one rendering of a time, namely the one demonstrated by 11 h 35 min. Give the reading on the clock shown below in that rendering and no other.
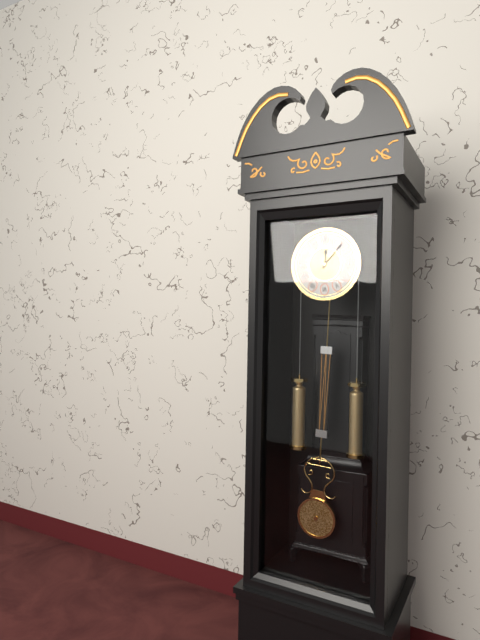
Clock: 12 h 07 min
